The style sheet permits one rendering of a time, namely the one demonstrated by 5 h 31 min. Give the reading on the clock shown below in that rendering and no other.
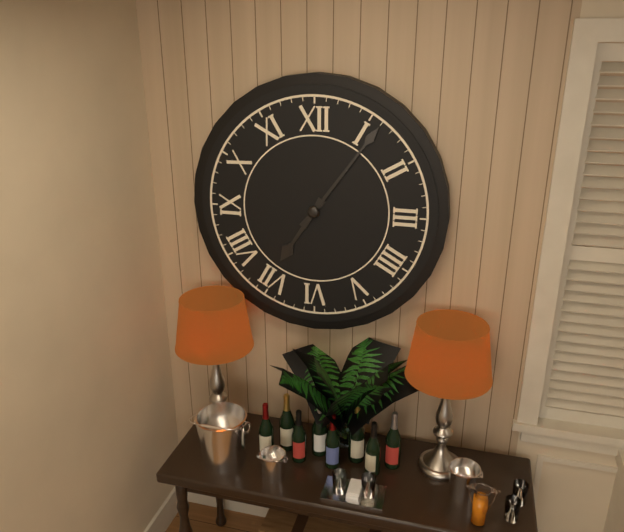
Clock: 7 h 06 min
